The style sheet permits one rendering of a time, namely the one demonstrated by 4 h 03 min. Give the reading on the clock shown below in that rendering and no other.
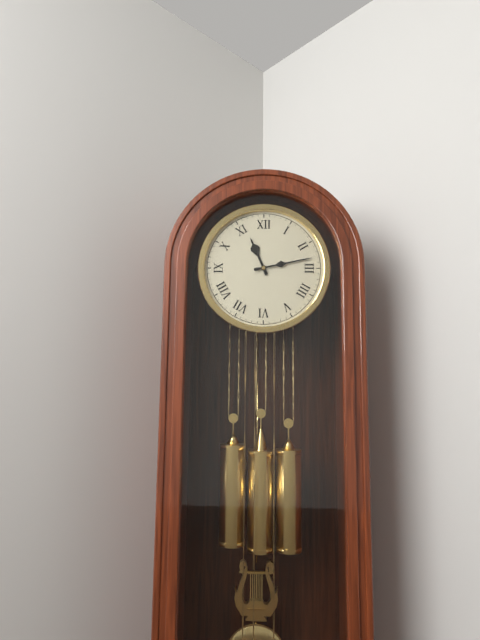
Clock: 11 h 13 min
